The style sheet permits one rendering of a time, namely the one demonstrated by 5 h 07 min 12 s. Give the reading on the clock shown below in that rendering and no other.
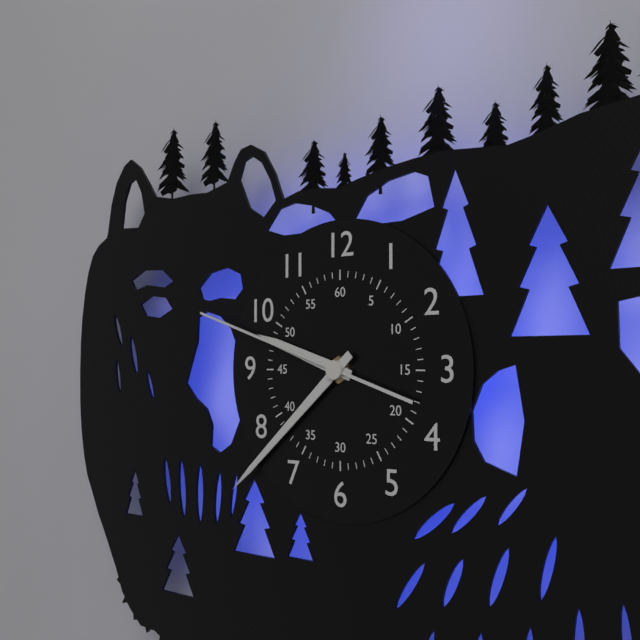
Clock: 9 h 38 min 48 s
